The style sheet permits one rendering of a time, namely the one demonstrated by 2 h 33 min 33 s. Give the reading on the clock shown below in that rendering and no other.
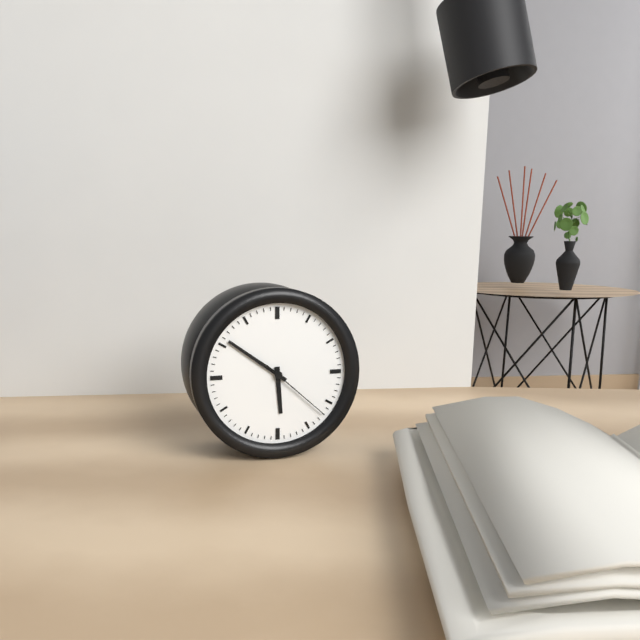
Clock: 5 h 51 min 22 s
